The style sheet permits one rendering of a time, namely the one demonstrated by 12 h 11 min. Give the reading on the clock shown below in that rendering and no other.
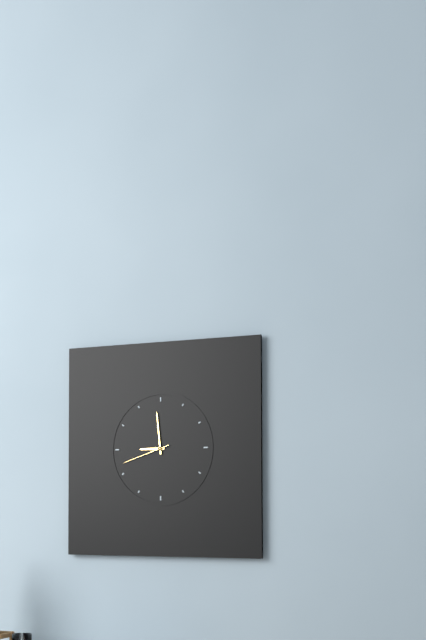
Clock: 8 h 59 min
